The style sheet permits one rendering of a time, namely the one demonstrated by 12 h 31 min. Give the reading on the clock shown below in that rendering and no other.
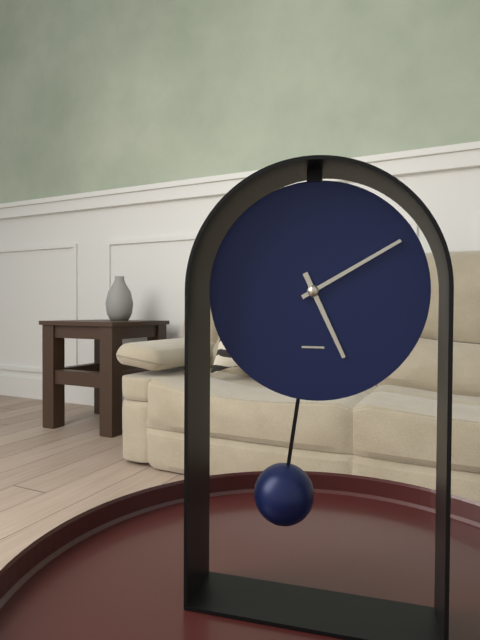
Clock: 5 h 10 min
